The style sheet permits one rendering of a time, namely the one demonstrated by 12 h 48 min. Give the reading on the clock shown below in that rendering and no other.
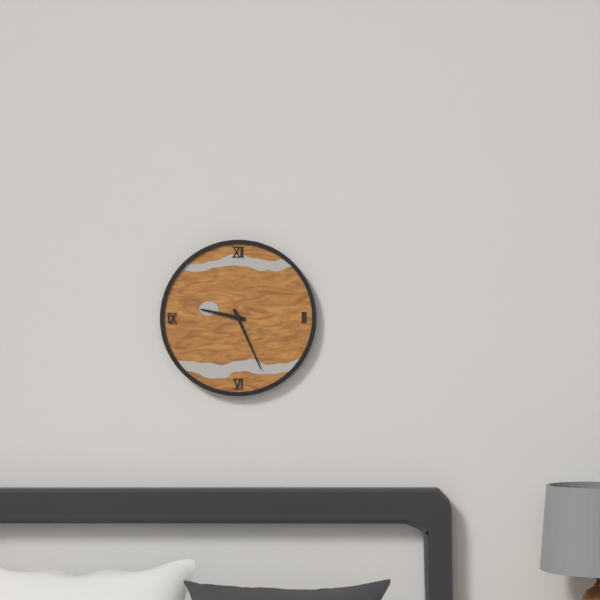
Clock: 9 h 26 min
